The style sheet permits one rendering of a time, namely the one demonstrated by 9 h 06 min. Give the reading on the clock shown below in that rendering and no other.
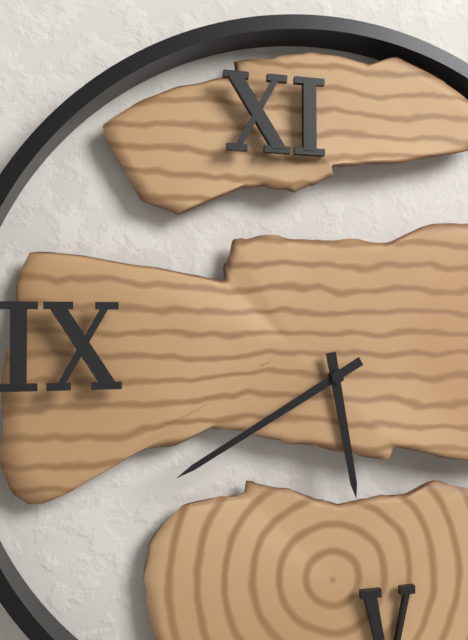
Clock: 5 h 40 min
